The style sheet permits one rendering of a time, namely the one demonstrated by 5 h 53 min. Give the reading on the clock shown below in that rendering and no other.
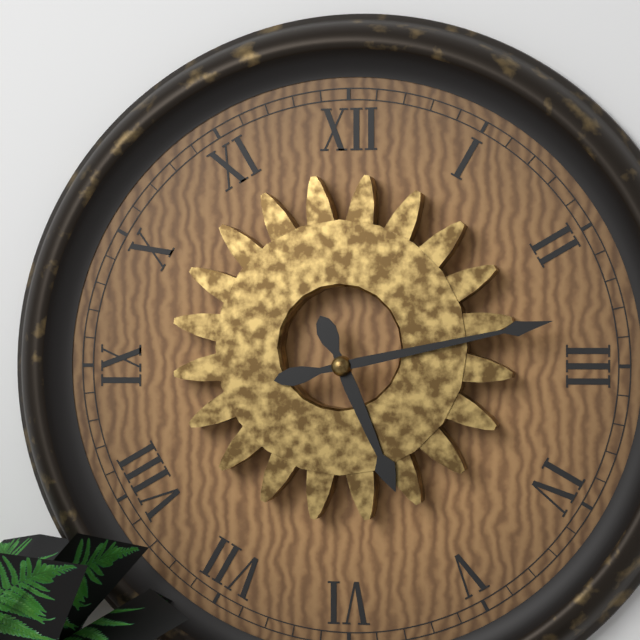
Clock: 5 h 13 min
